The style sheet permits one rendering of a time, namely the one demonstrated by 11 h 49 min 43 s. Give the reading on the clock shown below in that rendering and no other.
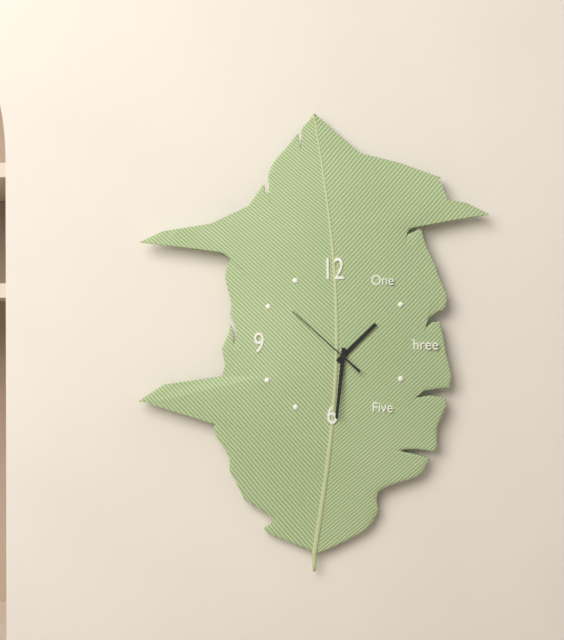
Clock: 1 h 31 min 52 s
